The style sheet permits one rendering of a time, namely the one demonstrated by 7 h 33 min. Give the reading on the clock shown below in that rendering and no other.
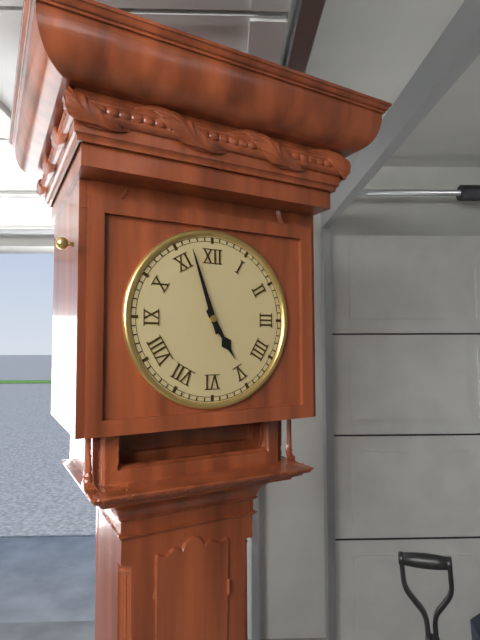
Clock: 4 h 57 min
